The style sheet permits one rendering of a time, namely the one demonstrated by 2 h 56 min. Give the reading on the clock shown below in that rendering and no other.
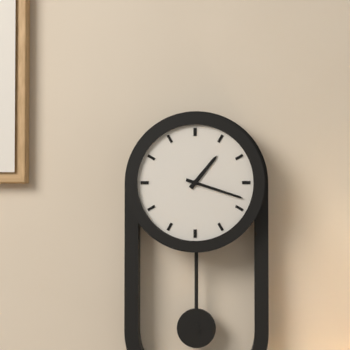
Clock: 1 h 18 min
